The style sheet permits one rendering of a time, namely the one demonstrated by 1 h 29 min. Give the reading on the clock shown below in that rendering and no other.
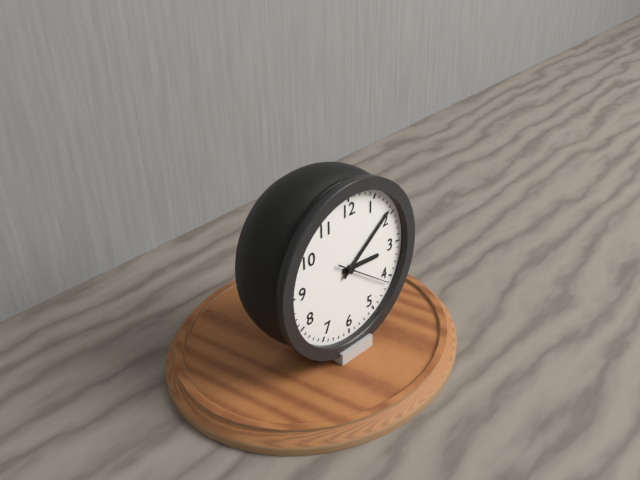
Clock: 3 h 09 min
